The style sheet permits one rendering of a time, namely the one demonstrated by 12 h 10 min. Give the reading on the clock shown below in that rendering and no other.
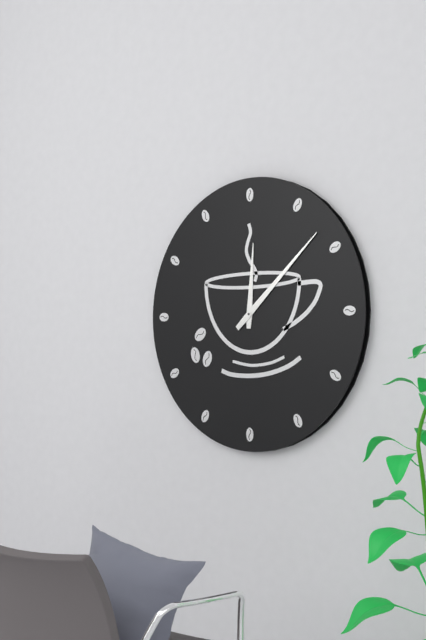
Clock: 12 h 08 min
